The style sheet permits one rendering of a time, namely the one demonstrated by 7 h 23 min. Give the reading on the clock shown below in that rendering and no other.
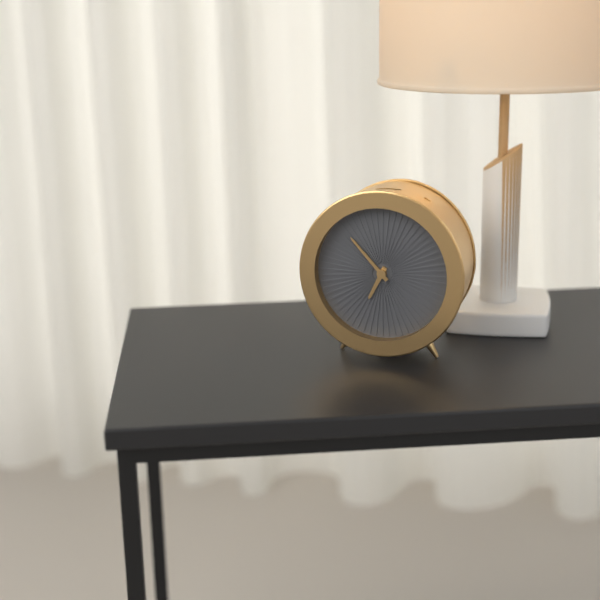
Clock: 6 h 53 min
